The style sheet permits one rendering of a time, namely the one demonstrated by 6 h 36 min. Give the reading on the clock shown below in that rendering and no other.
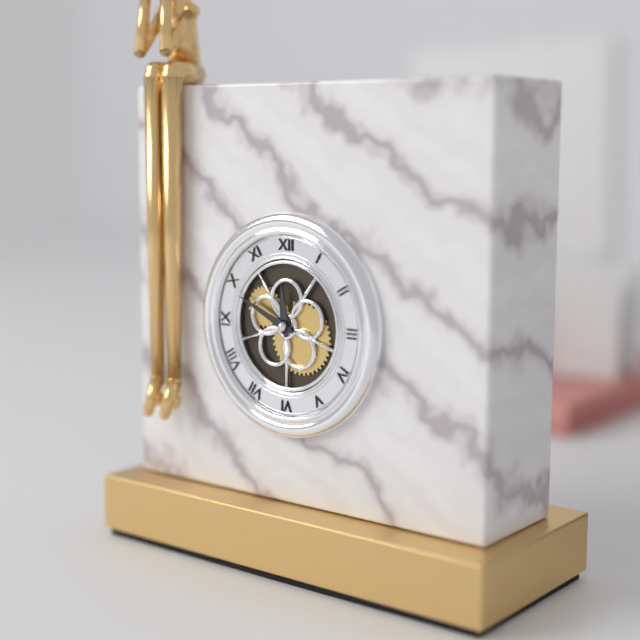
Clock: 11 h 49 min
